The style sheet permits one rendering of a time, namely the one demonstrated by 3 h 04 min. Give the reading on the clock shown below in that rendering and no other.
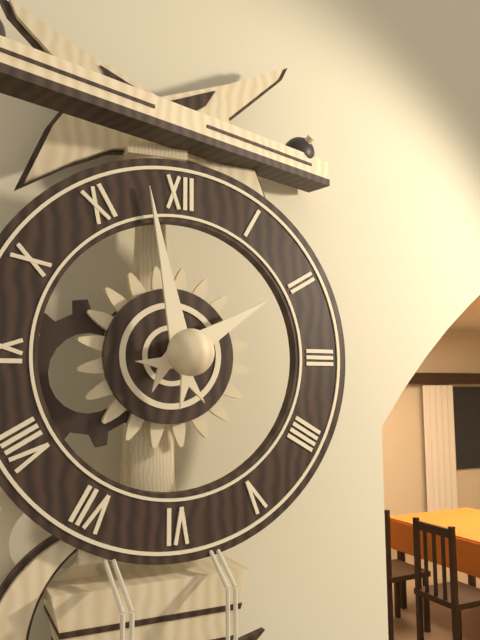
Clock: 1 h 58 min
